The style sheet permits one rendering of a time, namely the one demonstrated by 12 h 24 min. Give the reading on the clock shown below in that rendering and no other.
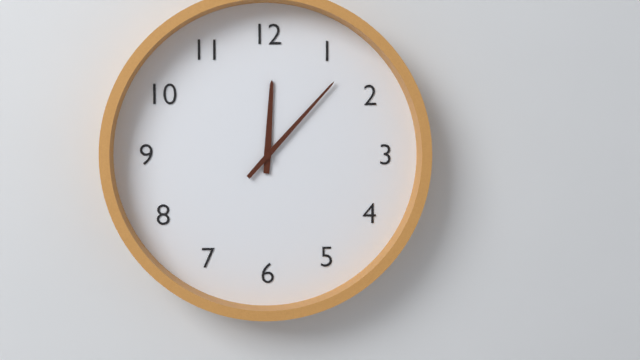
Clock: 12 h 07 min
